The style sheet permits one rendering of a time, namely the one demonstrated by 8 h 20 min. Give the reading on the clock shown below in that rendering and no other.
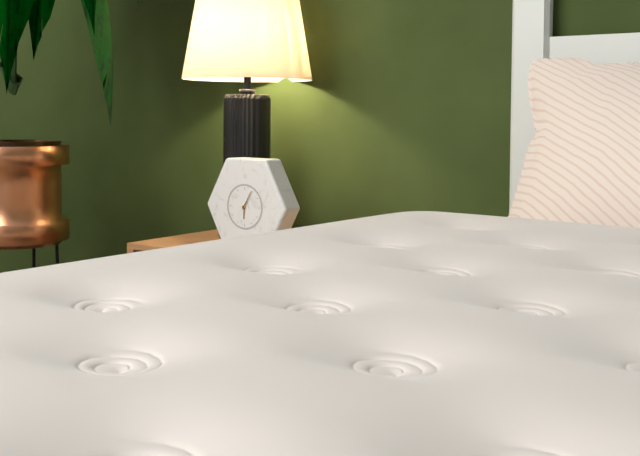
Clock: 6 h 05 min
